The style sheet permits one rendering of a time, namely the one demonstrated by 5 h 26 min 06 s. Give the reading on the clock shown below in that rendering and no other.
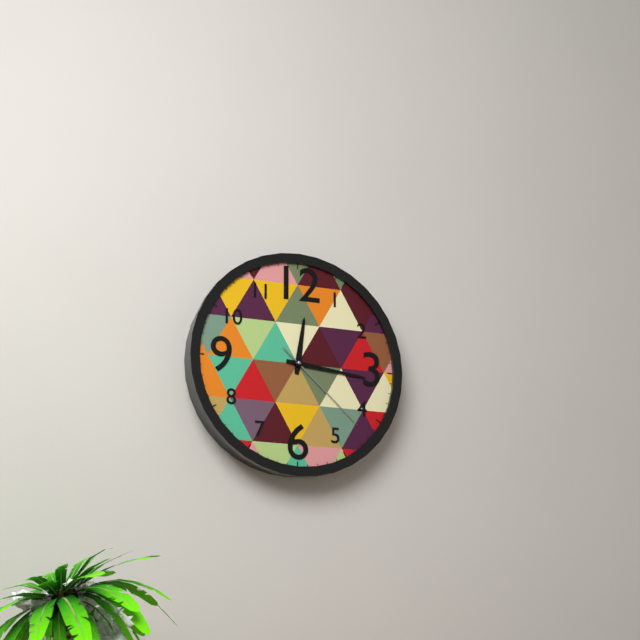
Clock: 12 h 16 min 22 s
